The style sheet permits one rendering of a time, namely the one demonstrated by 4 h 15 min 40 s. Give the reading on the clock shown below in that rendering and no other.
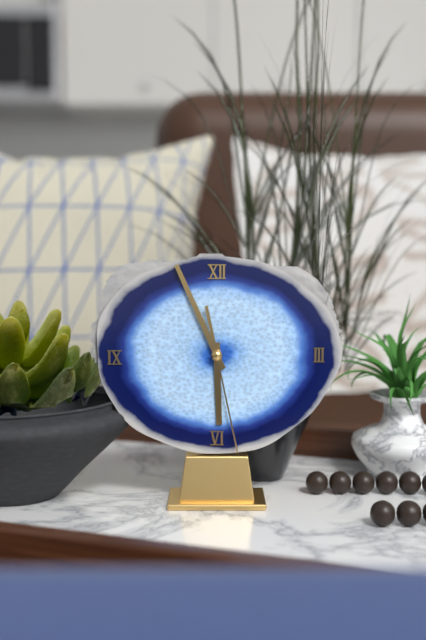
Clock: 5 h 56 min 28 s
